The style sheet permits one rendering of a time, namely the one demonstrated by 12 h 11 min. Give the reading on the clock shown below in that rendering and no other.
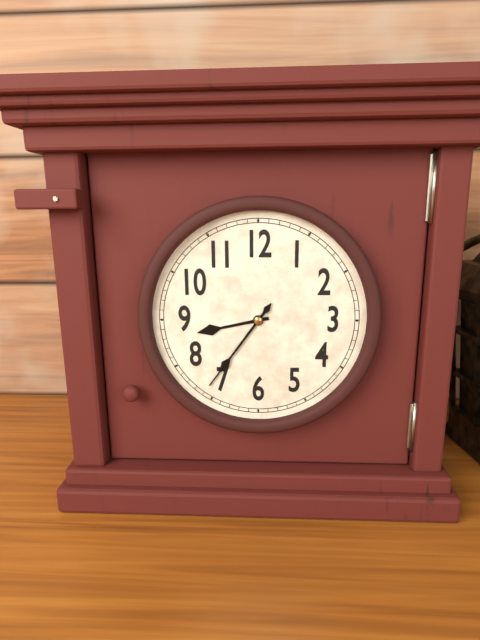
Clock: 8 h 36 min
